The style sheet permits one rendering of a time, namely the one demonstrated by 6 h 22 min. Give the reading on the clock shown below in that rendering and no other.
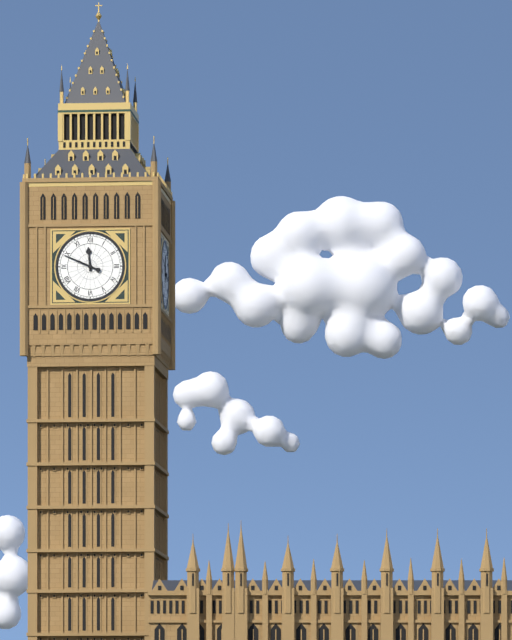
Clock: 11 h 49 min
